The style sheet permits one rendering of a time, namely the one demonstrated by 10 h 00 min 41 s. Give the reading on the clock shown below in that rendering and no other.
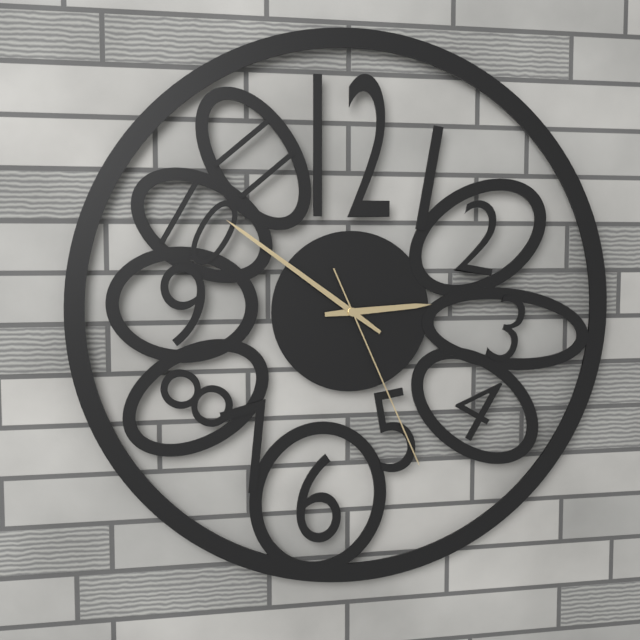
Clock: 2 h 51 min 26 s
